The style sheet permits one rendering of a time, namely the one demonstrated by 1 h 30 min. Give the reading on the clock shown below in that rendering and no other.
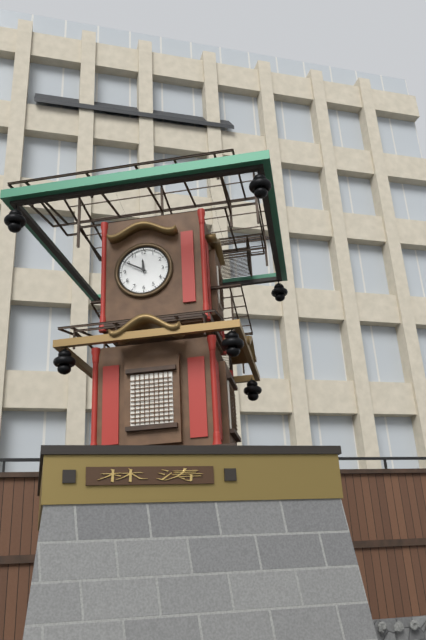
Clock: 11 h 50 min
